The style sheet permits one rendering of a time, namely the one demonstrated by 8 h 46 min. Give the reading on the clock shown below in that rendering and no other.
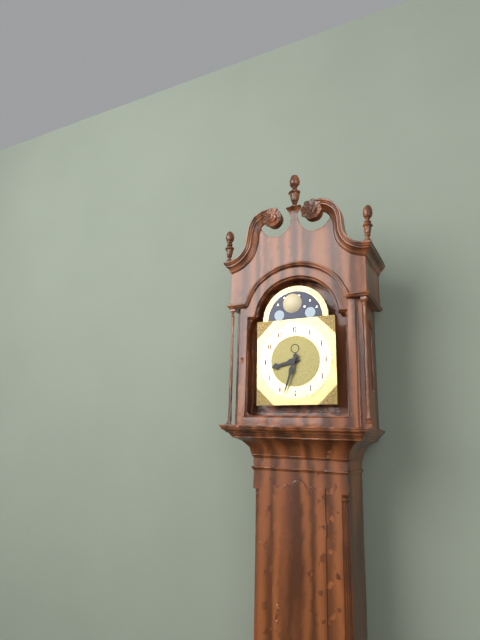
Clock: 8 h 33 min
